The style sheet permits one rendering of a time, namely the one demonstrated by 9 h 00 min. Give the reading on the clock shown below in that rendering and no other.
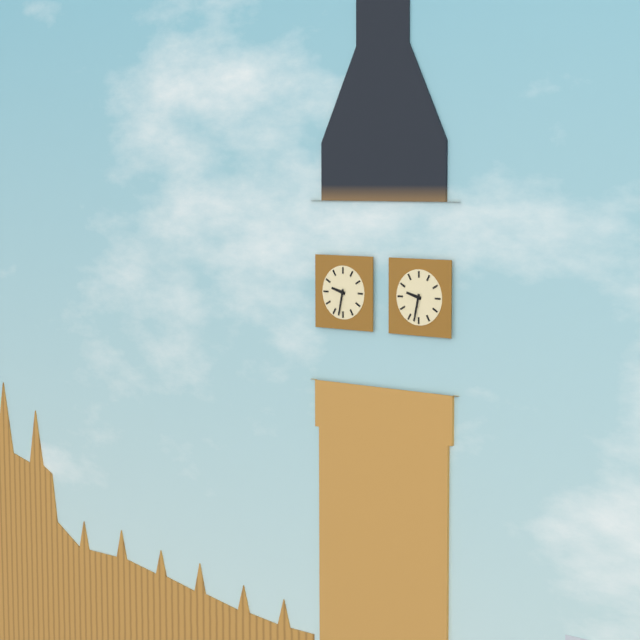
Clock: 9 h 32 min
